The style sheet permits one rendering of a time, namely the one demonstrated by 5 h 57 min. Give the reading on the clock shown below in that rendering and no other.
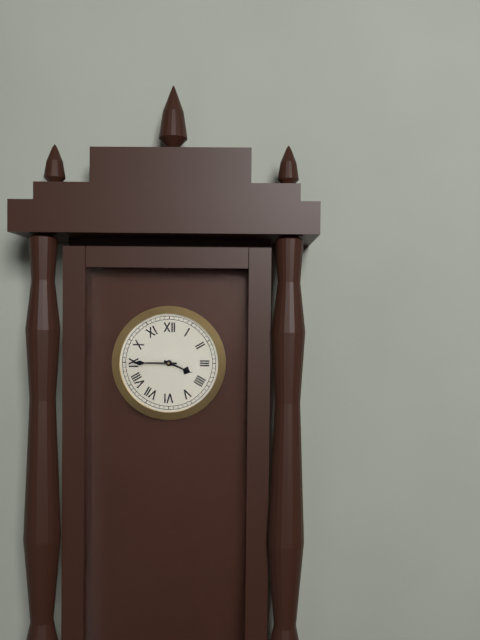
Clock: 3 h 45 min
